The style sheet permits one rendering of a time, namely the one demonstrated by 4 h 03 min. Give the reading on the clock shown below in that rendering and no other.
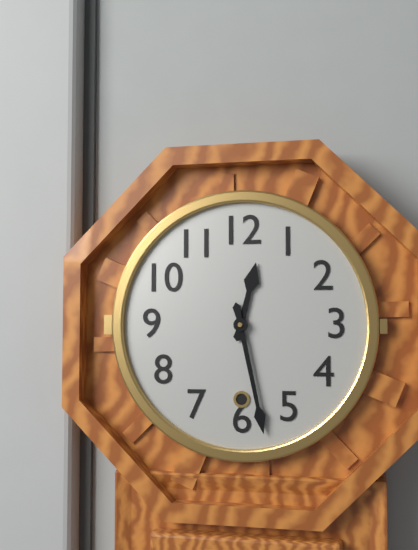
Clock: 12 h 28 min
